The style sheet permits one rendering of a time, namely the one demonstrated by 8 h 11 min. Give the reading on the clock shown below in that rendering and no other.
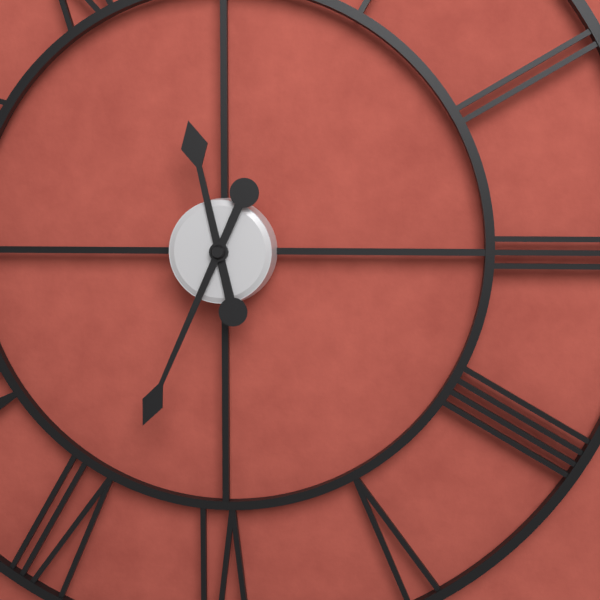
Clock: 11 h 34 min
